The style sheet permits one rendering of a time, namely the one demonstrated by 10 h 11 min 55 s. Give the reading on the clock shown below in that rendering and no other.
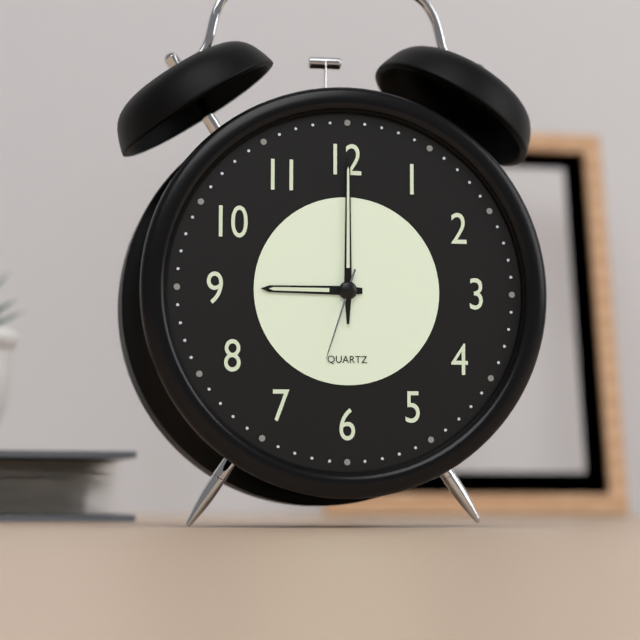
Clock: 9 h 00 min 33 s
